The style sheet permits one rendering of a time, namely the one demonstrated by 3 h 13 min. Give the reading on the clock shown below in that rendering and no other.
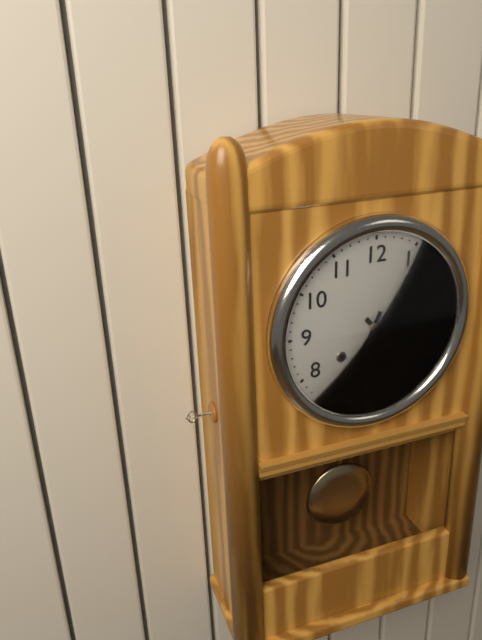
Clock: 4 h 34 min
